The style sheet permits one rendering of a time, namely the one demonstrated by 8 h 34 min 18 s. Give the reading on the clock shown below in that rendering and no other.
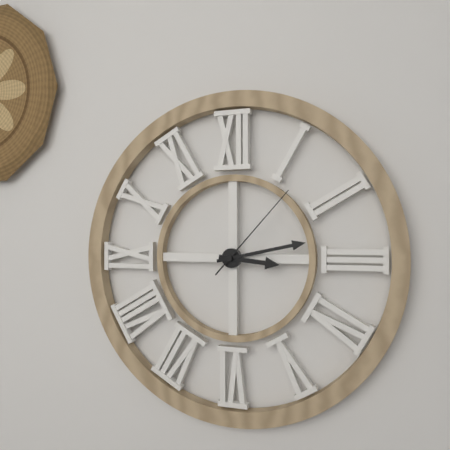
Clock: 3 h 13 min 07 s
